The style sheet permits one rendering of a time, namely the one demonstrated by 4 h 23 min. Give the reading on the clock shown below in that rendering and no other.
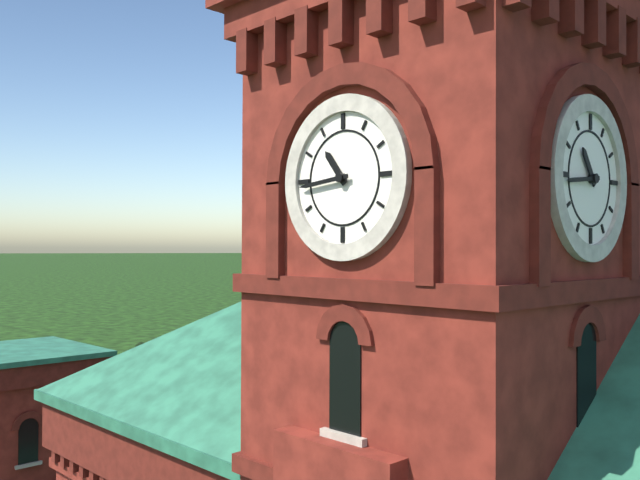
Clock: 10 h 44 min
